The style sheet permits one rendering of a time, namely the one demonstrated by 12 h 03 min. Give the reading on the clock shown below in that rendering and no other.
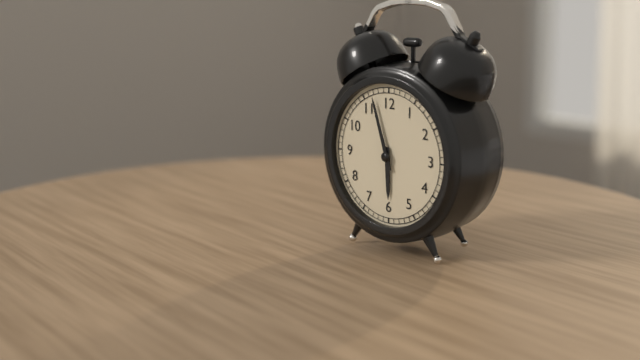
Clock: 5 h 57 min
